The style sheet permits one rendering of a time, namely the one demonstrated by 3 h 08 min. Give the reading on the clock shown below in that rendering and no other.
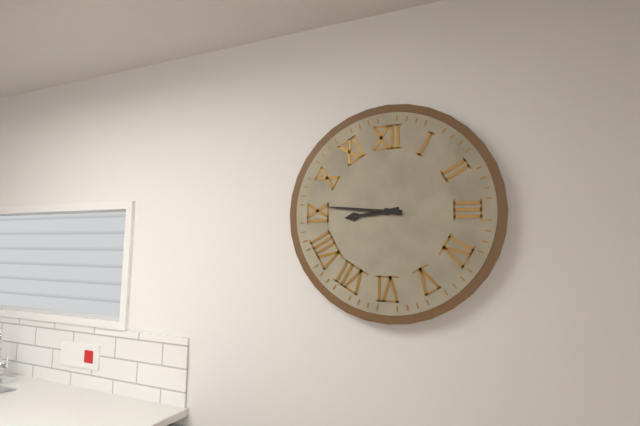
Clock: 8 h 46 min
